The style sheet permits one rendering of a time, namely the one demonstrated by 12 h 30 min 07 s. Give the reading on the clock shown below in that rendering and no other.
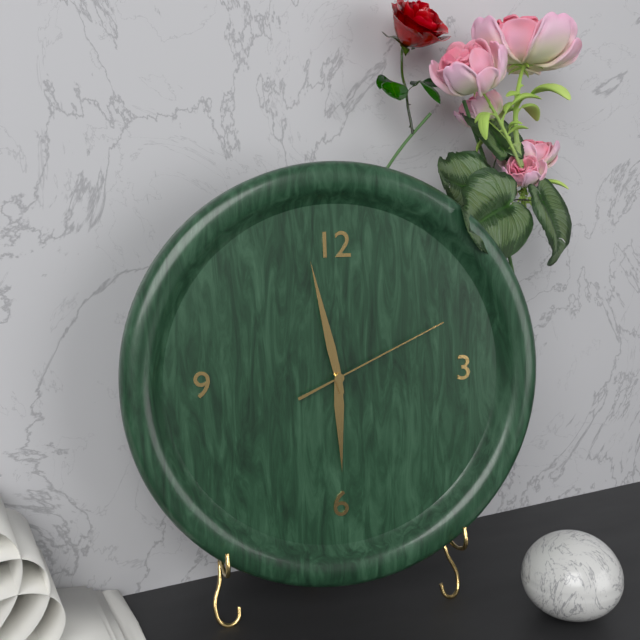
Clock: 5 h 58 min 11 s
